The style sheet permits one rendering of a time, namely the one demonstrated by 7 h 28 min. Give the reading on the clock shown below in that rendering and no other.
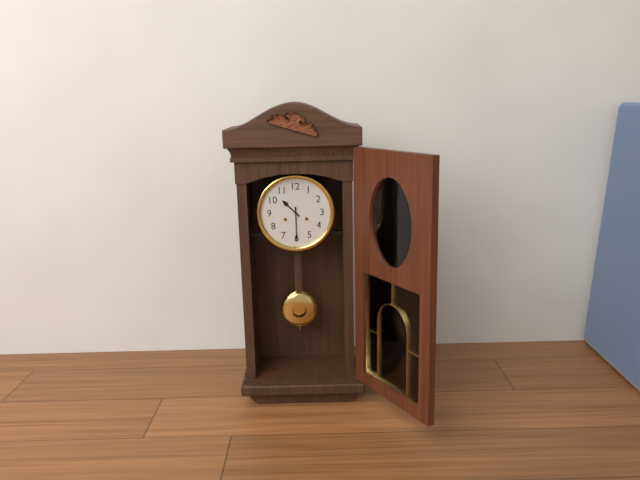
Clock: 10 h 30 min
